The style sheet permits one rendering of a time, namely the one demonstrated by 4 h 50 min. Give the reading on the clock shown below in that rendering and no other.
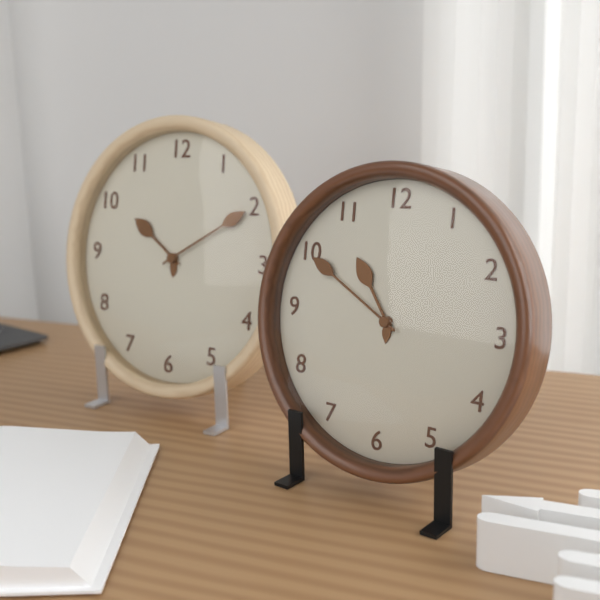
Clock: 10 h 50 min
